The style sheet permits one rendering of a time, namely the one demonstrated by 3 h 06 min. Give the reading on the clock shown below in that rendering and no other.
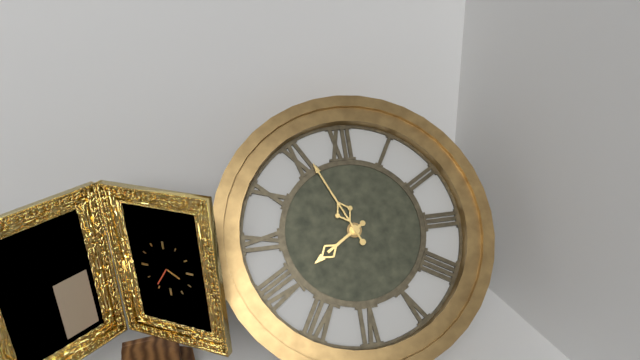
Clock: 7 h 56 min
